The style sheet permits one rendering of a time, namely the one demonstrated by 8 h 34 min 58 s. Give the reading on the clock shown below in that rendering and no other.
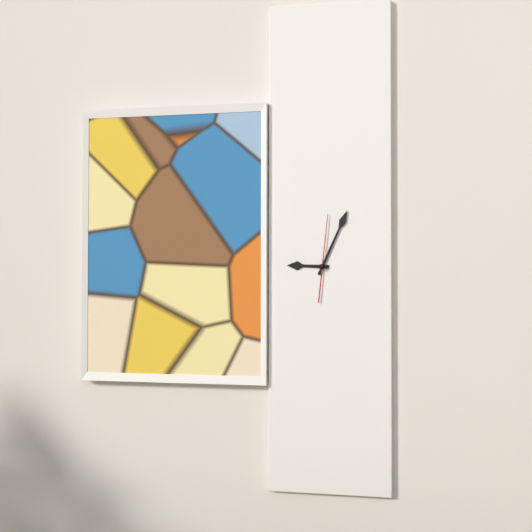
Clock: 9 h 04 min 01 s
